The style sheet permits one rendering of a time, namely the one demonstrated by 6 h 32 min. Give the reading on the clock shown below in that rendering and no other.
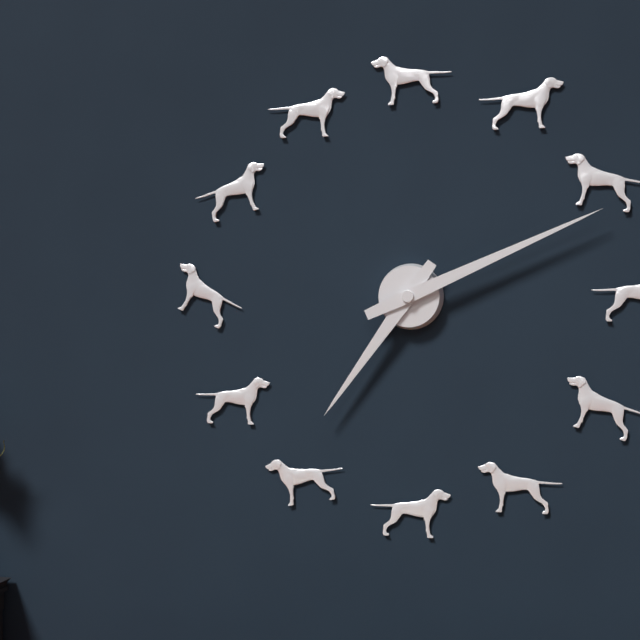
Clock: 7 h 11 min
